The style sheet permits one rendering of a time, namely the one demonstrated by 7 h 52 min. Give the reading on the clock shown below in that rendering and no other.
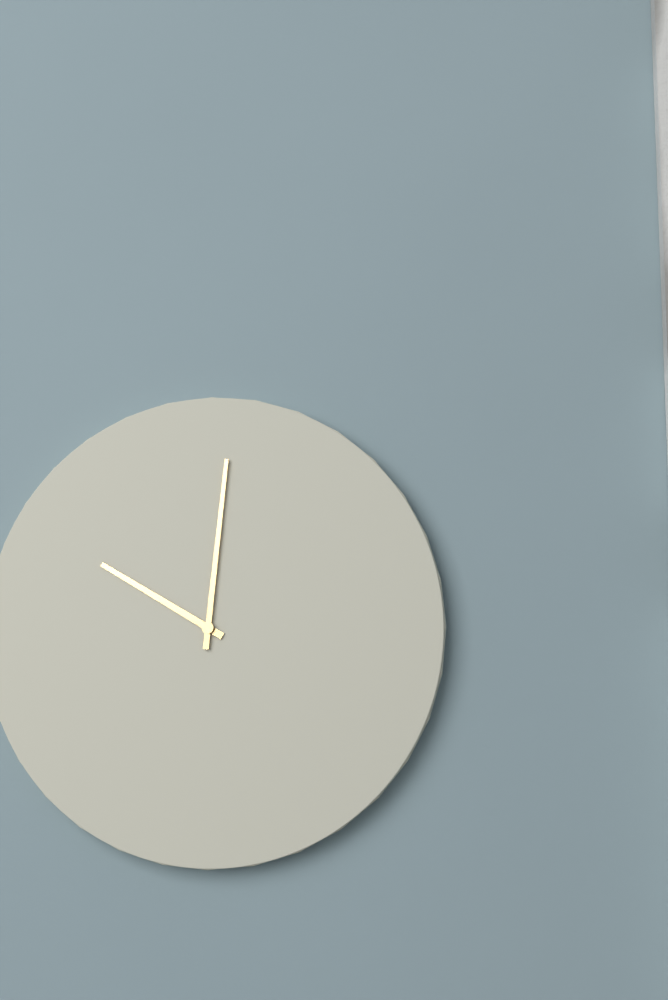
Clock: 10 h 01 min
